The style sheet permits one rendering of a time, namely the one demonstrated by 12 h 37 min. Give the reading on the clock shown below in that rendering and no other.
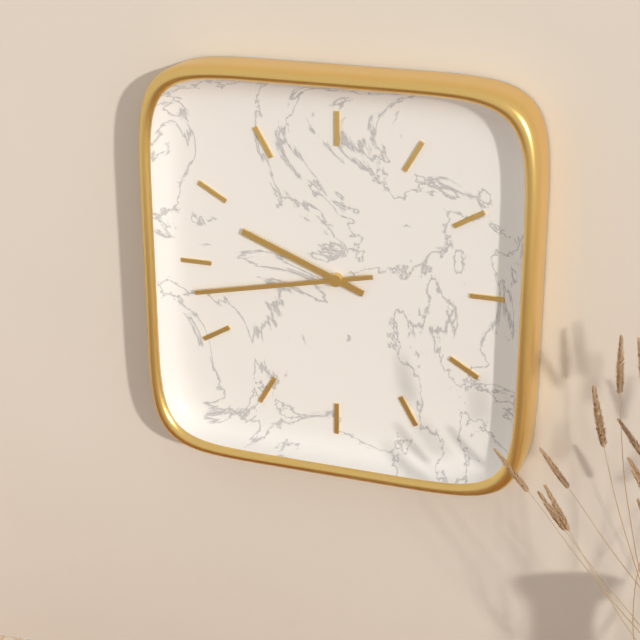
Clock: 9 h 43 min
